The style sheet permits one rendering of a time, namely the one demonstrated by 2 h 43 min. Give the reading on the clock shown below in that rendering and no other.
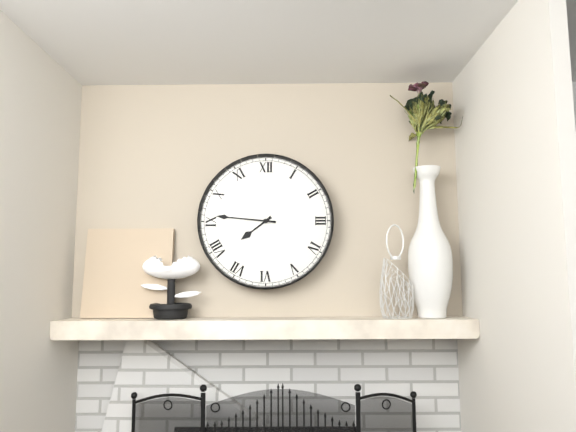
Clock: 7 h 46 min
